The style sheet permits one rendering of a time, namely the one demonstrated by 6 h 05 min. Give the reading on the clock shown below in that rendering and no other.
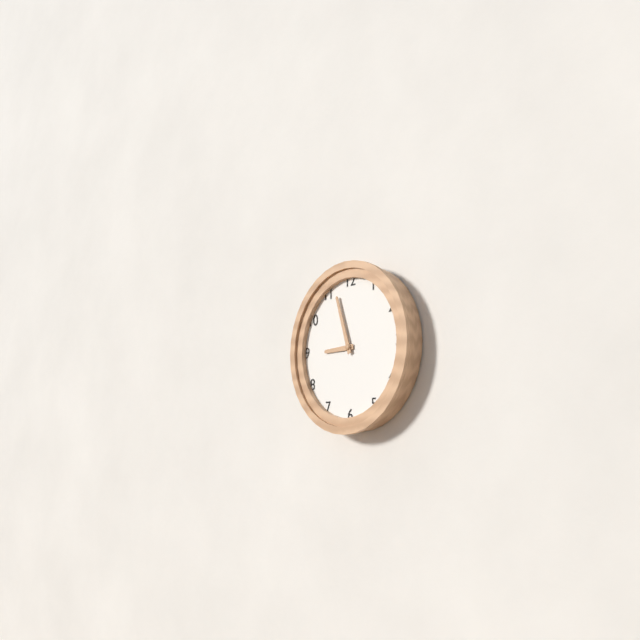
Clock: 8 h 57 min
